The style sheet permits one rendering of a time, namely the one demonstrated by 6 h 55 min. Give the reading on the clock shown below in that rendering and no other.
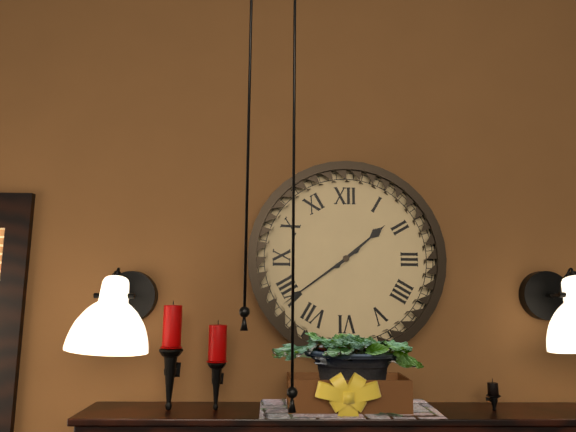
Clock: 1 h 39 min
